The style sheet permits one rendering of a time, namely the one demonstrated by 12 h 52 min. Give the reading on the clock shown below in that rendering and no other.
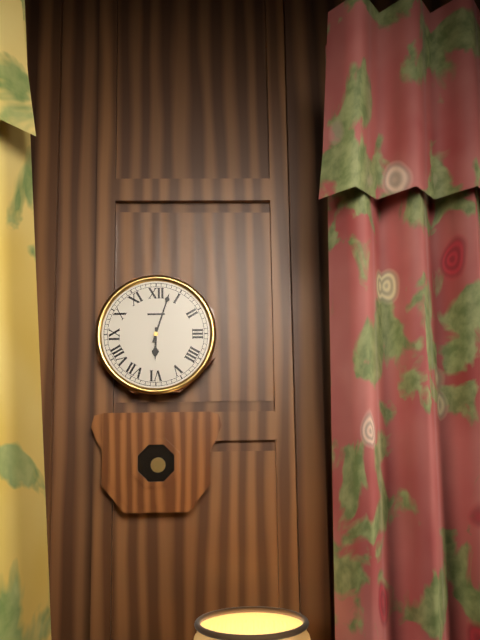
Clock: 6 h 03 min
